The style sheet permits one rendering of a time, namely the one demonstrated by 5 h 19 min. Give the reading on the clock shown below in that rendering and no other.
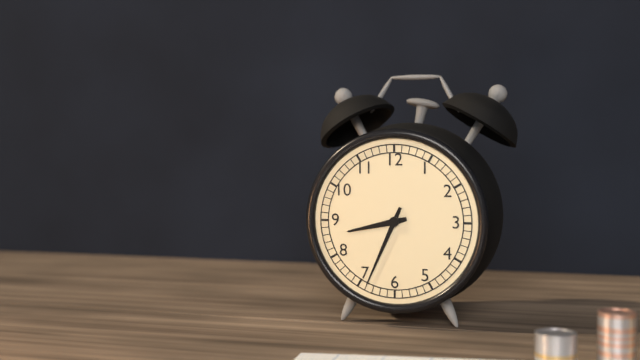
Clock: 8 h 34 min
